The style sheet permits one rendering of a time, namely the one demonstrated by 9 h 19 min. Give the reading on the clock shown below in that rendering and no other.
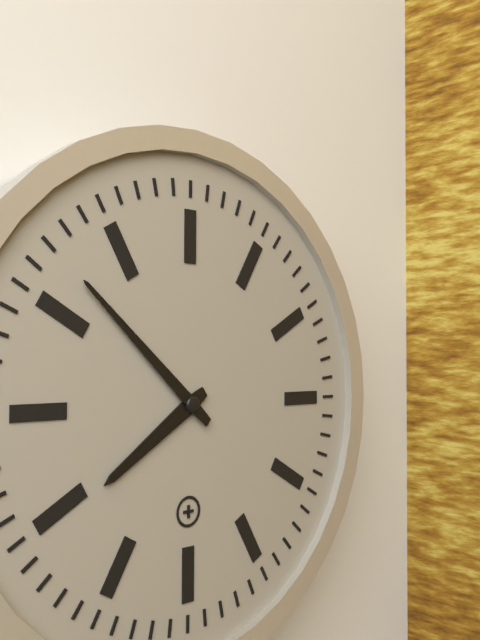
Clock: 7 h 52 min
